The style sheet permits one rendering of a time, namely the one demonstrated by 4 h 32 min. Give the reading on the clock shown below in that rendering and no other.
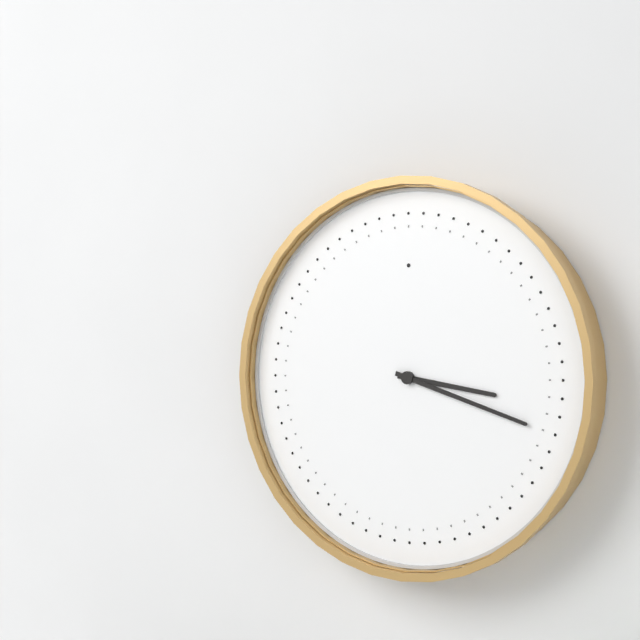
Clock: 3 h 18 min
